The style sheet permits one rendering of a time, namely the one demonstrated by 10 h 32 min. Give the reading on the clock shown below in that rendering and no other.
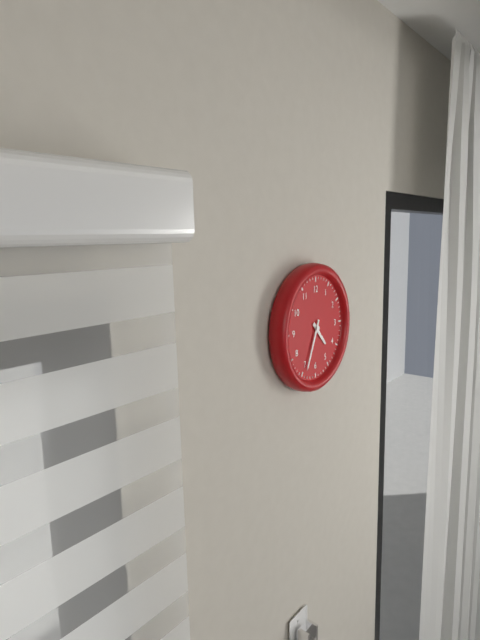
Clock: 4 h 34 min
